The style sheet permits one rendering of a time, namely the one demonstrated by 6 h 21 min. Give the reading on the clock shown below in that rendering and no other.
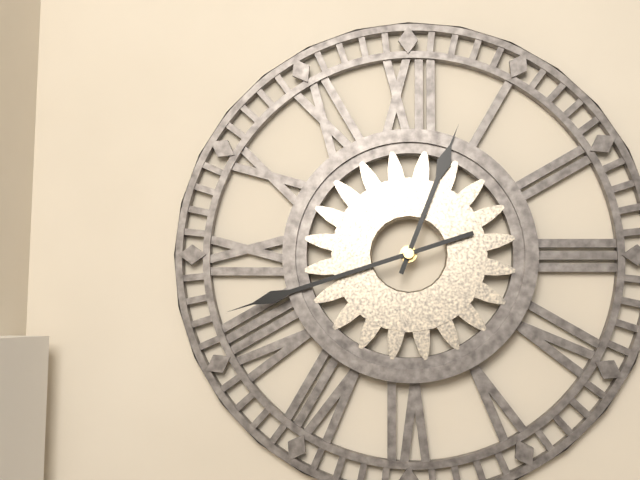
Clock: 12 h 42 min
